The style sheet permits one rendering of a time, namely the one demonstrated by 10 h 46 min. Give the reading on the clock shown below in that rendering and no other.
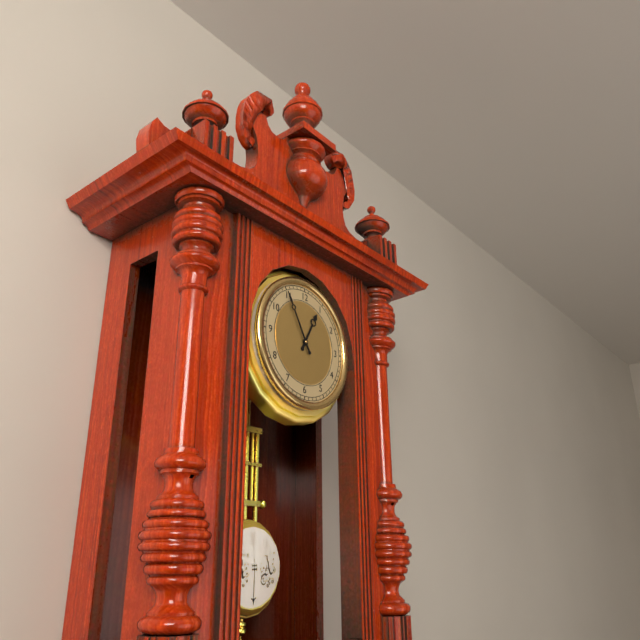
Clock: 12 h 55 min
